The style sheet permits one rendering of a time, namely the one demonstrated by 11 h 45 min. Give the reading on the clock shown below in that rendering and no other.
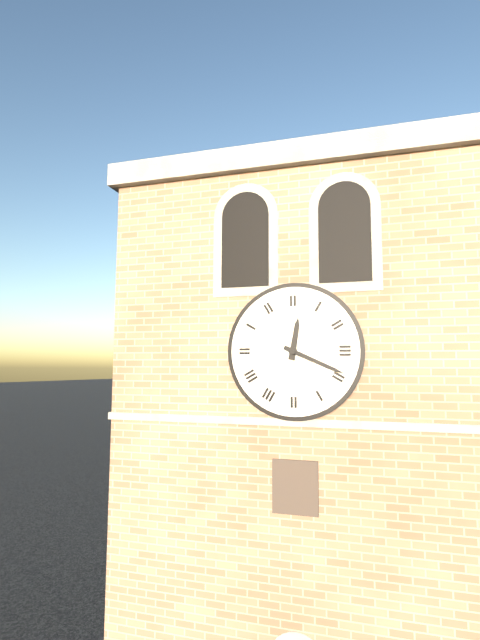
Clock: 12 h 19 min
